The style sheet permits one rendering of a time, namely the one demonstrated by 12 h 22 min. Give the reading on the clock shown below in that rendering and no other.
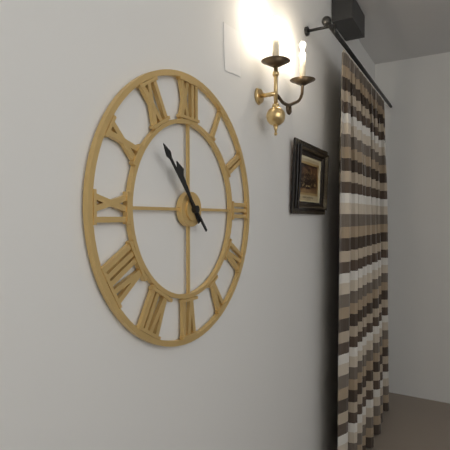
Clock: 10 h 53 min
